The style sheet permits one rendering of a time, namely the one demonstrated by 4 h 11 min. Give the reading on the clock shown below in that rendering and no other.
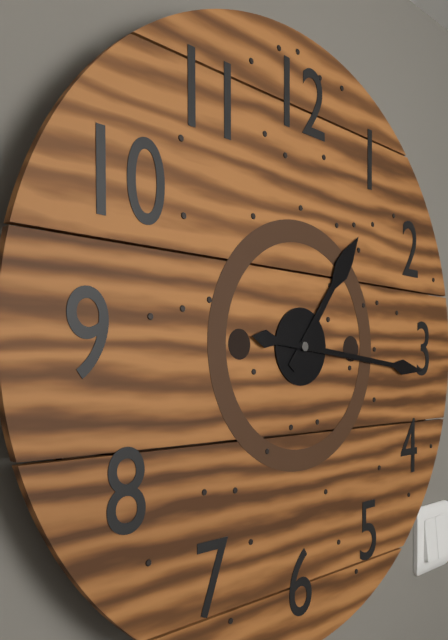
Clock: 1 h 16 min
